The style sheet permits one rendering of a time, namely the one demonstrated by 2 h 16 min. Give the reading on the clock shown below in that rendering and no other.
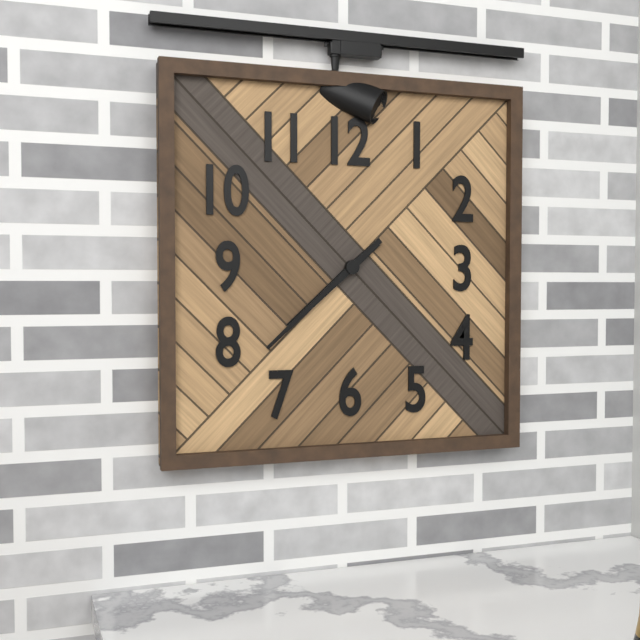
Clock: 7 h 38 min
